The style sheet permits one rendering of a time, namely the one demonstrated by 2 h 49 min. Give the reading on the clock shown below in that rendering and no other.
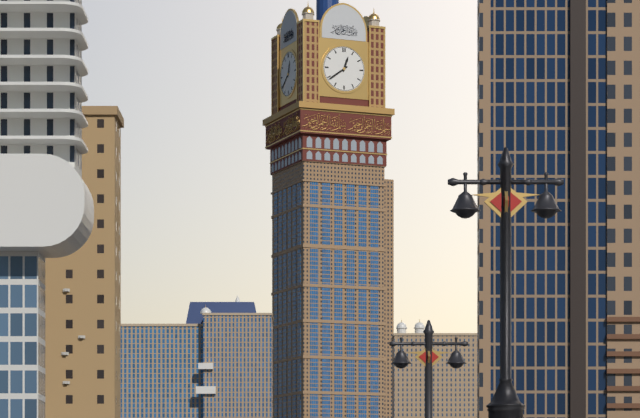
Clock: 12 h 39 min
